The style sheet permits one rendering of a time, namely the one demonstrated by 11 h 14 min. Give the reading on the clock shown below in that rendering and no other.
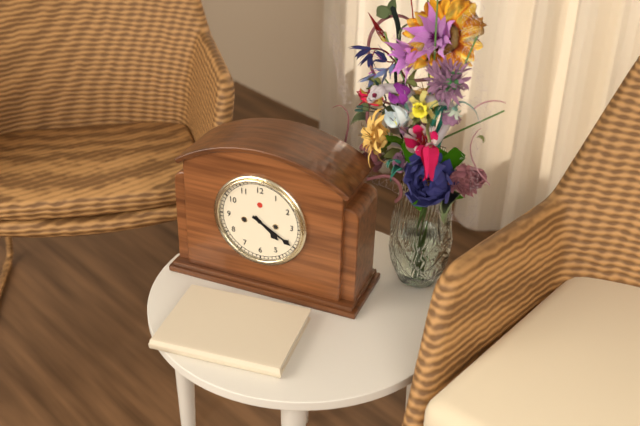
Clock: 4 h 20 min
